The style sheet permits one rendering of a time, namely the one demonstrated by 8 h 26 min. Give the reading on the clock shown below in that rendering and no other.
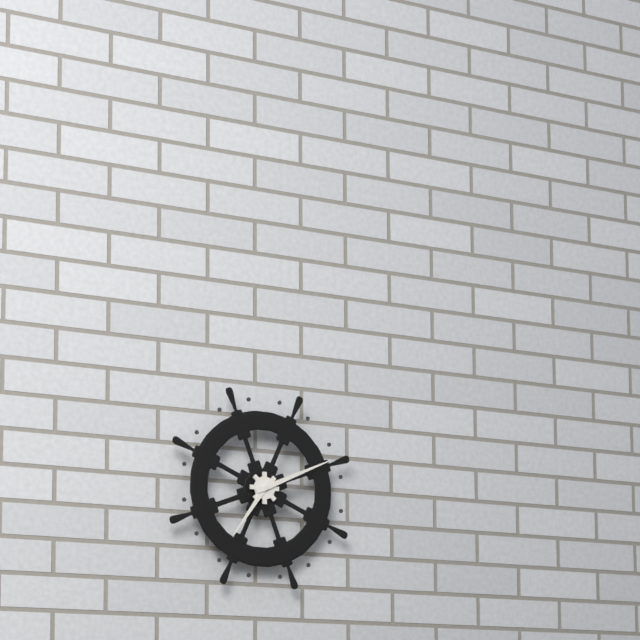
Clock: 7 h 11 min
